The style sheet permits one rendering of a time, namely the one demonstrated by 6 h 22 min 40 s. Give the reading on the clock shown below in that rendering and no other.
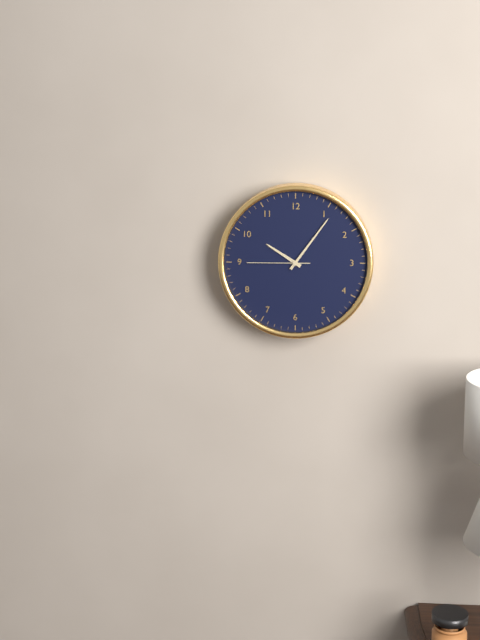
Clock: 10 h 06 min 45 s
